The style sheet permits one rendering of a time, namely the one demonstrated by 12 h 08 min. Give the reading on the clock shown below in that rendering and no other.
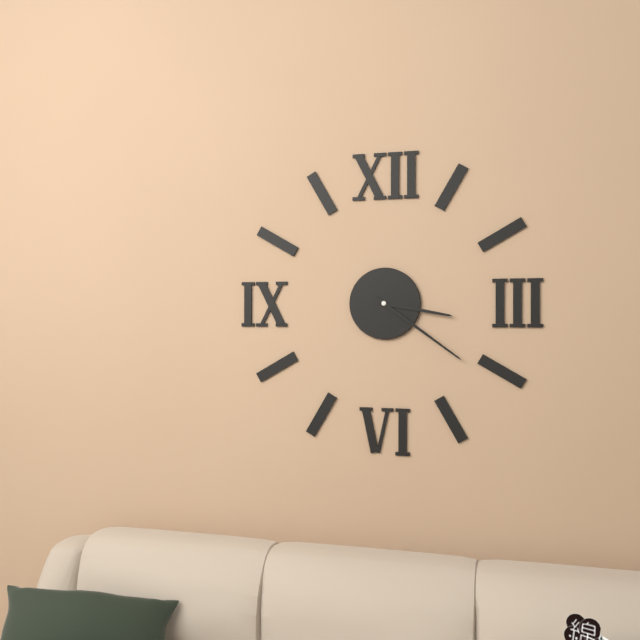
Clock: 3 h 21 min
